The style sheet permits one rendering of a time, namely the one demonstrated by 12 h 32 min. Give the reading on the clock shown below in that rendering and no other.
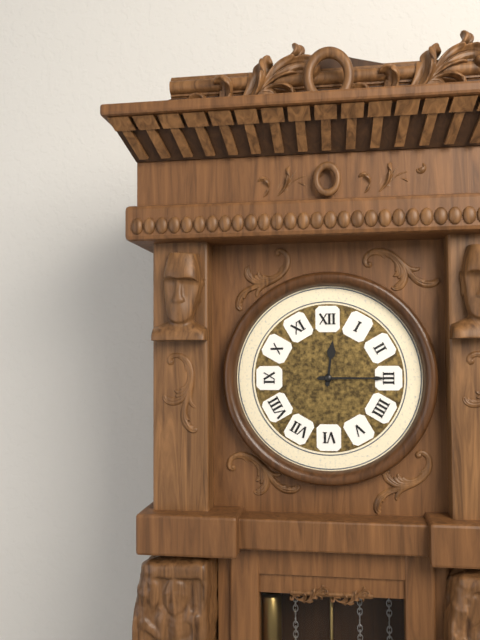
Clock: 12 h 15 min
